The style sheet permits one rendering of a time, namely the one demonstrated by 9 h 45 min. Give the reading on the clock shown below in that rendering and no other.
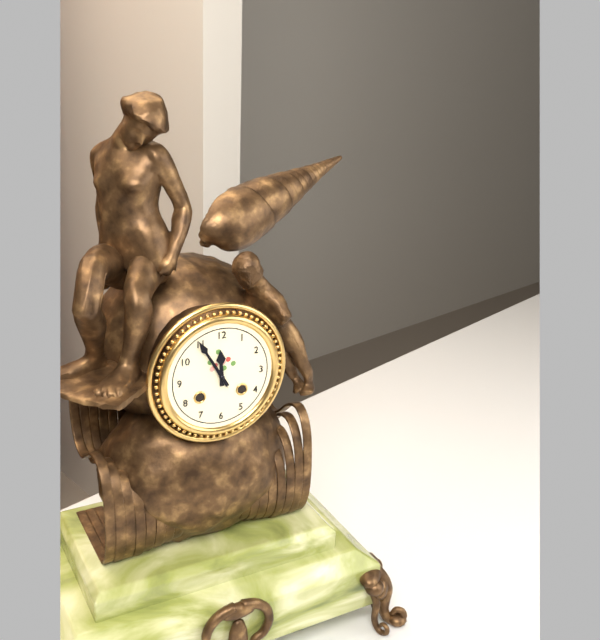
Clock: 11 h 55 min
